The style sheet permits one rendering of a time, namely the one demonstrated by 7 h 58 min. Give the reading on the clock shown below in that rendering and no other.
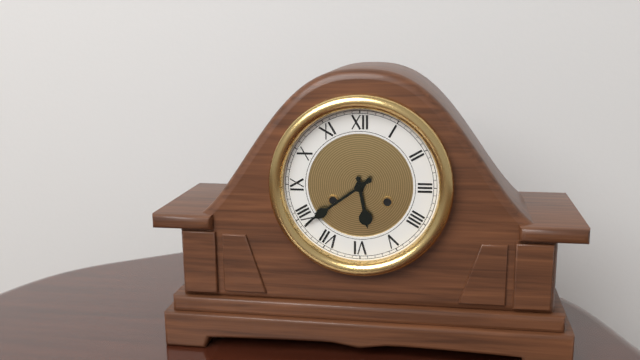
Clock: 5 h 39 min
